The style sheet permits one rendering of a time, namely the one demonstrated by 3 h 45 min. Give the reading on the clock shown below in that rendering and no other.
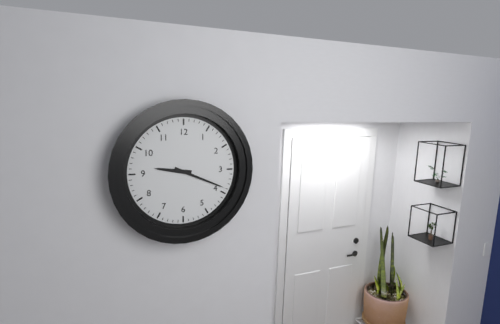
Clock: 9 h 19 min
